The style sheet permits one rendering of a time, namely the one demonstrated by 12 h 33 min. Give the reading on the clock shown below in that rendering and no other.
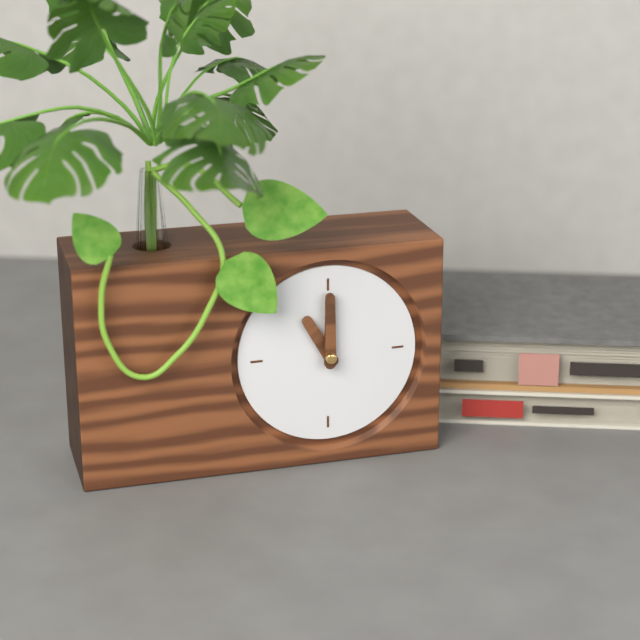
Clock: 11 h 00 min
